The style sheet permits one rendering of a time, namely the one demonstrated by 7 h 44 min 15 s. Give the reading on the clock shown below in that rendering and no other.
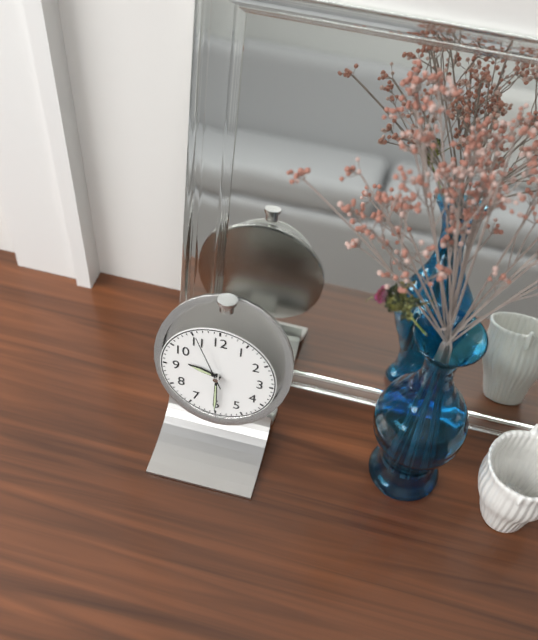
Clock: 9 h 30 min 56 s
